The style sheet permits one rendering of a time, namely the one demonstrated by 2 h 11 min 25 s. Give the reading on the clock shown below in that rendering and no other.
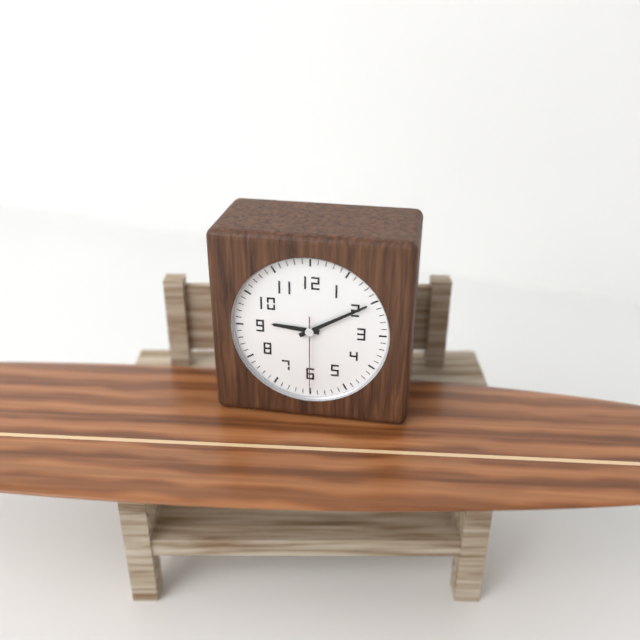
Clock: 9 h 10 min 30 s
